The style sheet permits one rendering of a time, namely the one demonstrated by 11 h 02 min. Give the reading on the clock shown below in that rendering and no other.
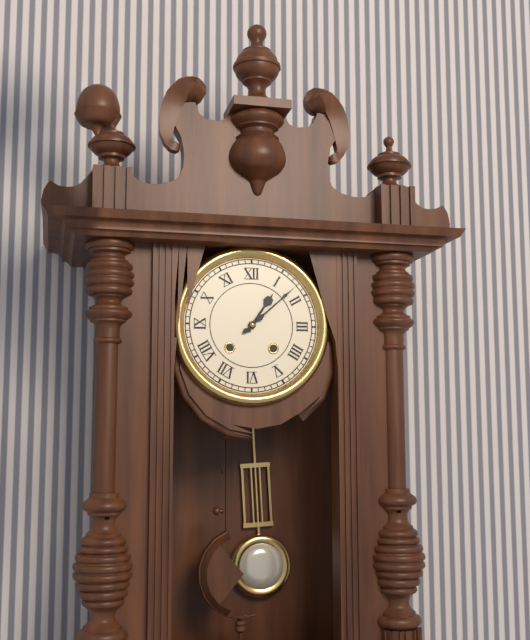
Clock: 1 h 08 min
